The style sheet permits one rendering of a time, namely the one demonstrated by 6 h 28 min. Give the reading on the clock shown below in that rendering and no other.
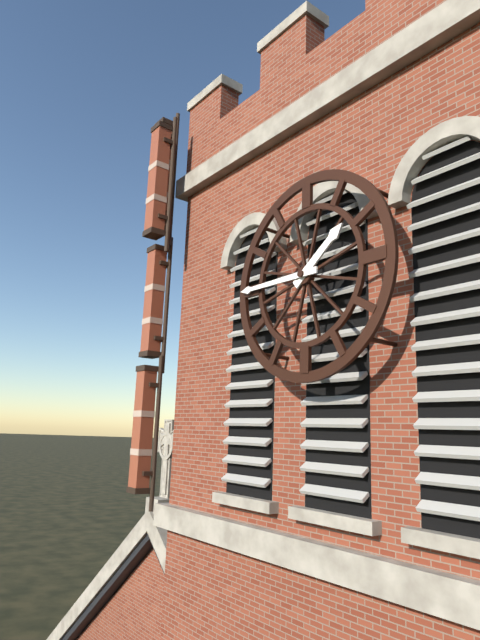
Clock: 1 h 45 min
